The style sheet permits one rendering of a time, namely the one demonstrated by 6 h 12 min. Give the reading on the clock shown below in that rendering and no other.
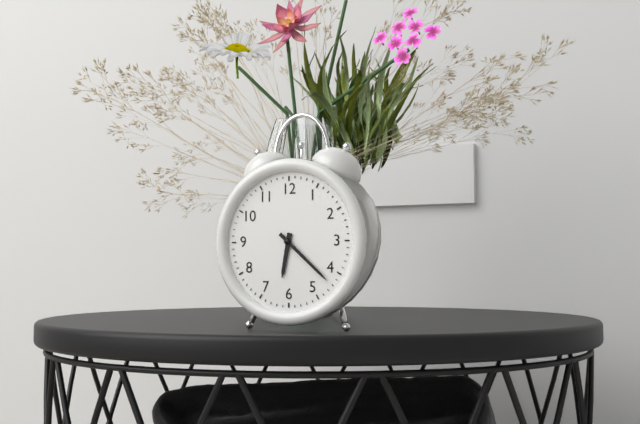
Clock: 6 h 22 min
